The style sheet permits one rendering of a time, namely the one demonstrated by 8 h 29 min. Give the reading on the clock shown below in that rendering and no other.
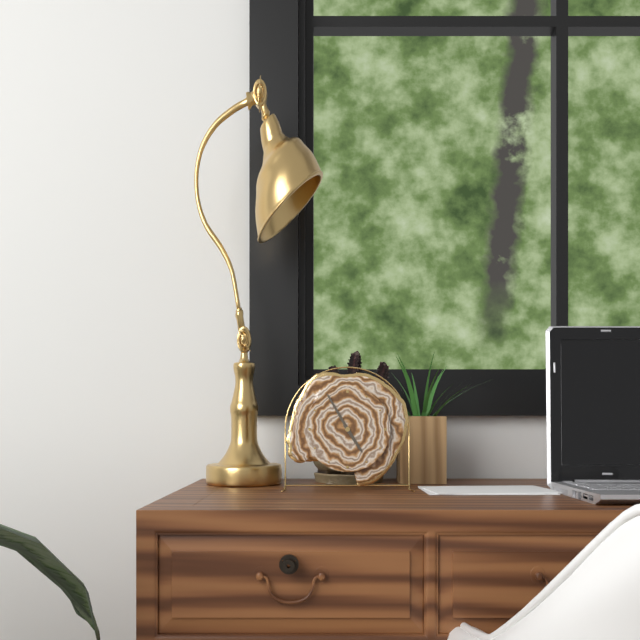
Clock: 4 h 55 min
